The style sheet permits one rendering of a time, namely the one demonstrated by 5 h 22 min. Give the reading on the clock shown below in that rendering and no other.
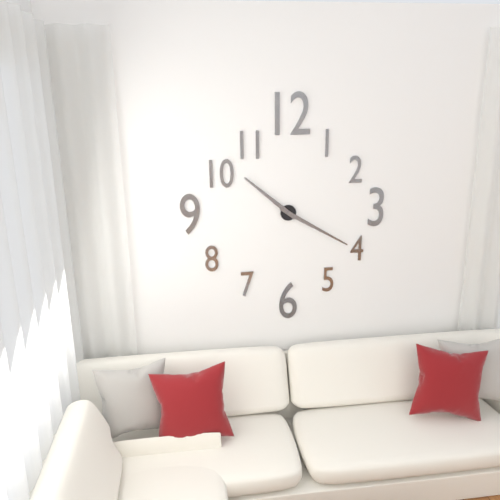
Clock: 10 h 20 min
